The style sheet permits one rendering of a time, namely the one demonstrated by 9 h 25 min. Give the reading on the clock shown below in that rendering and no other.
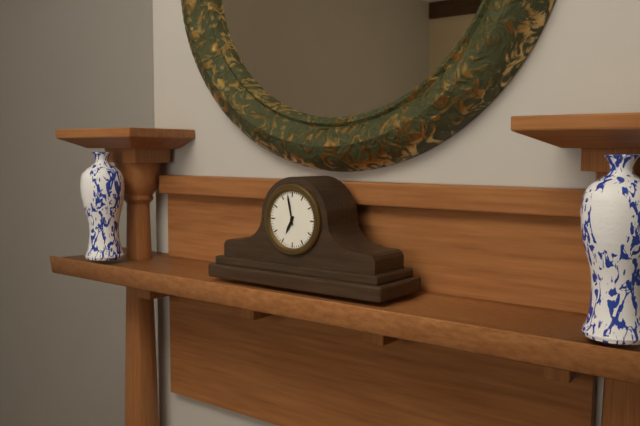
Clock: 6 h 58 min
